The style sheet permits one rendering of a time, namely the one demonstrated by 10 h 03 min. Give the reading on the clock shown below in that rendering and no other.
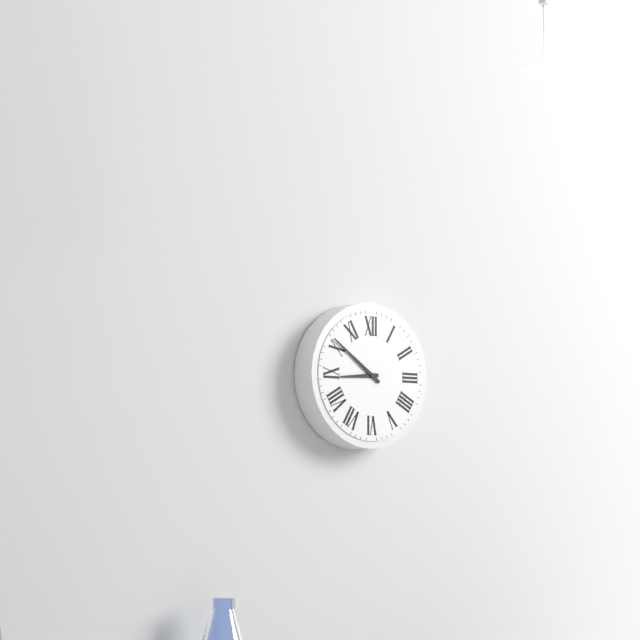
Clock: 8 h 51 min
